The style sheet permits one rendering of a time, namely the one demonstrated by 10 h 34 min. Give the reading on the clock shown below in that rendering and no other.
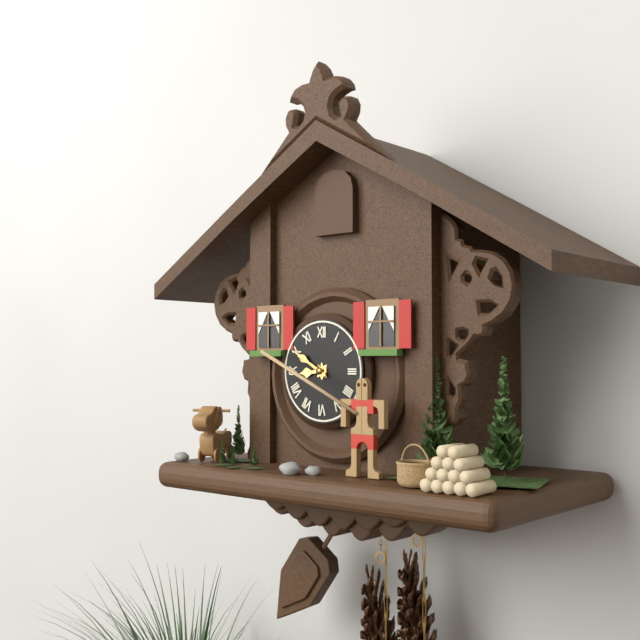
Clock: 8 h 50 min
